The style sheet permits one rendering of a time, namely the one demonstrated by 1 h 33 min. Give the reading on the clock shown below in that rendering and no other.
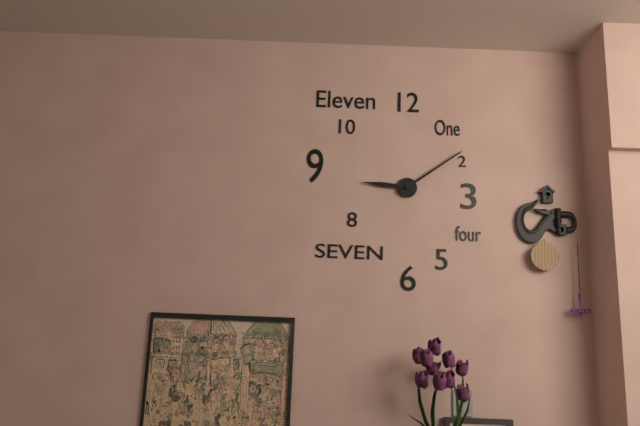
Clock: 9 h 09 min
